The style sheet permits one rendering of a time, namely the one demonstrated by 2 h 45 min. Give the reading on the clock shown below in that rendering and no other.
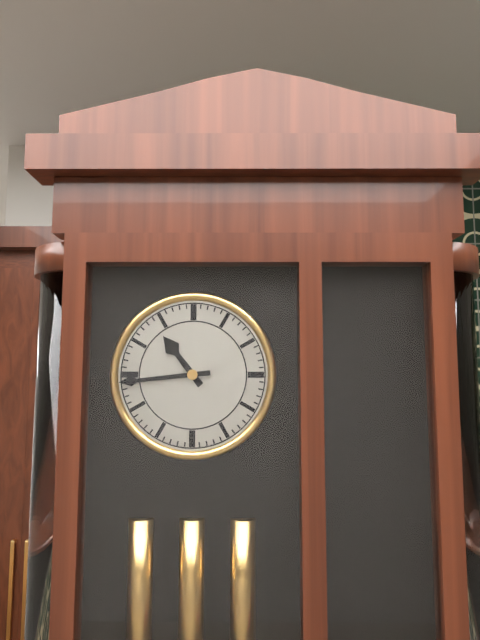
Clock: 10 h 44 min
